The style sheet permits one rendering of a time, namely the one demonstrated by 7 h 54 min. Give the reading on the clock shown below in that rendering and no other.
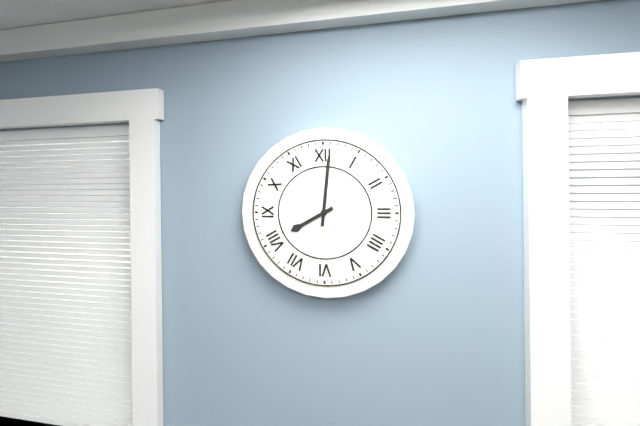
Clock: 8 h 01 min
